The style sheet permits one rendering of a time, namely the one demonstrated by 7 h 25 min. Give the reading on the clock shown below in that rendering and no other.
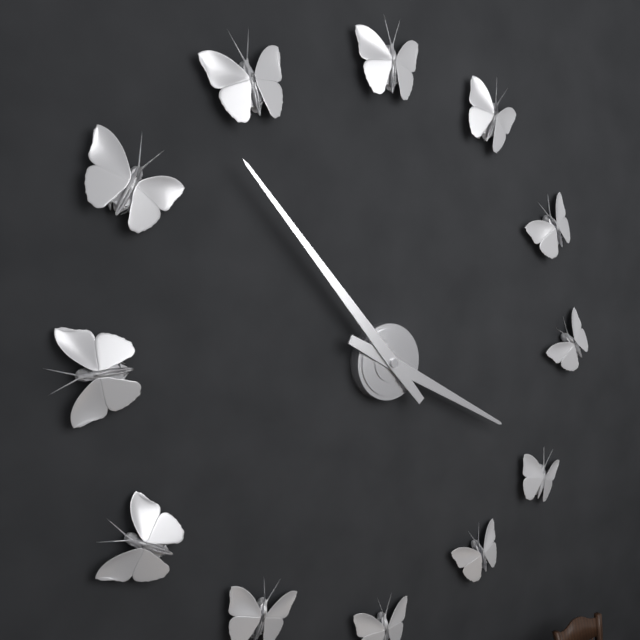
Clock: 3 h 53 min
